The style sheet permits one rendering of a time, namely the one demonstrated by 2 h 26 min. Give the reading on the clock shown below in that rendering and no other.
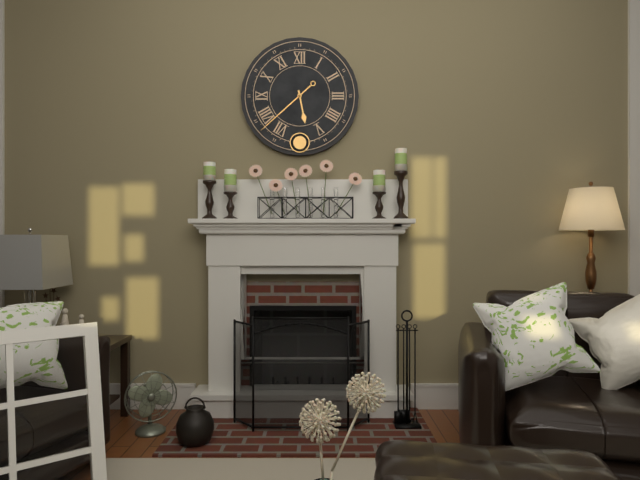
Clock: 5 h 38 min
